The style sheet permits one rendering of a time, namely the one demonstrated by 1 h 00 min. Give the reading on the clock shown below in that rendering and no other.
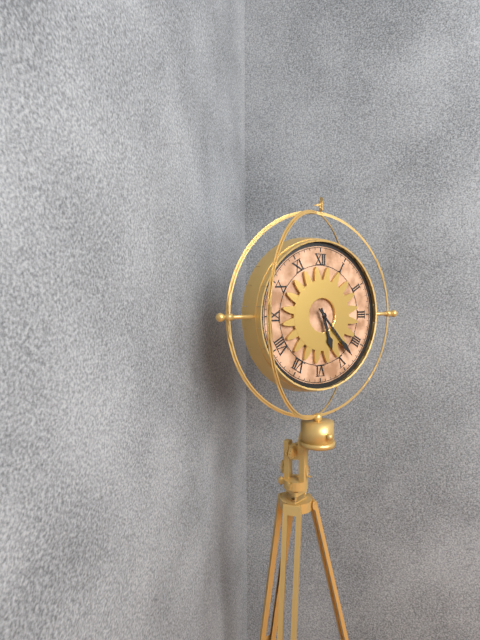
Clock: 5 h 23 min
